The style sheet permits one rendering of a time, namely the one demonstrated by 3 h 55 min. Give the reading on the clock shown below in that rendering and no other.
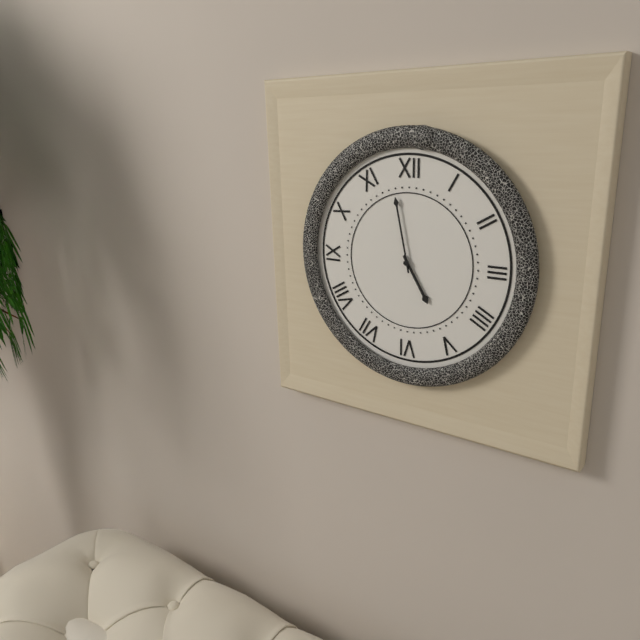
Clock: 4 h 58 min
